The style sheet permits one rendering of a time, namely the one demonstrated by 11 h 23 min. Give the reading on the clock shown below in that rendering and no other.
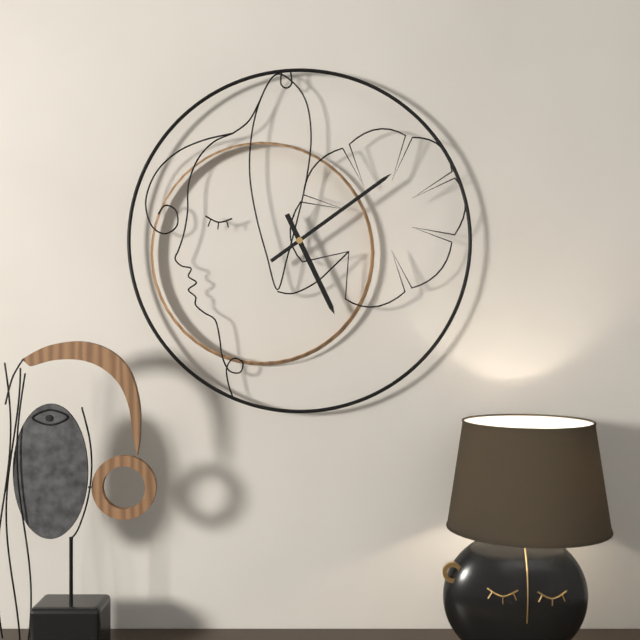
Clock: 5 h 09 min
